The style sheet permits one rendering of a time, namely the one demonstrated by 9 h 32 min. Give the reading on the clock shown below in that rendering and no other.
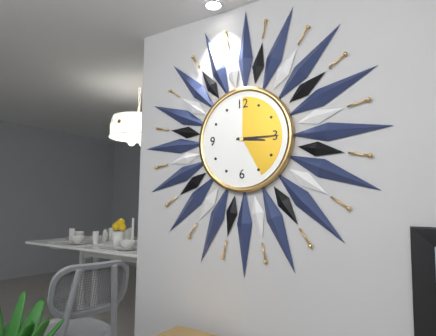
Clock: 3 h 15 min
